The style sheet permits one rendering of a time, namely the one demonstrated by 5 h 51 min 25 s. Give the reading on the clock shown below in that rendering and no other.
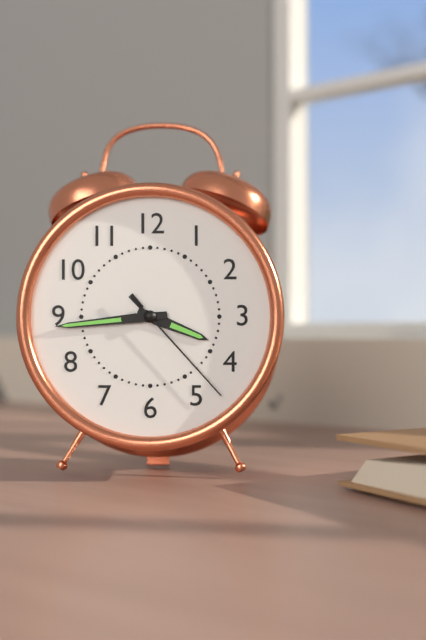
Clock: 3 h 44 min 23 s
